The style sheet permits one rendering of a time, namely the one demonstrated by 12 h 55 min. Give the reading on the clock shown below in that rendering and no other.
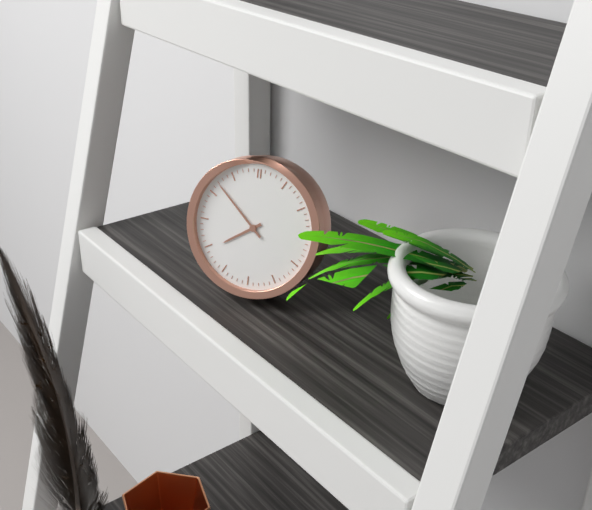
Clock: 7 h 52 min
